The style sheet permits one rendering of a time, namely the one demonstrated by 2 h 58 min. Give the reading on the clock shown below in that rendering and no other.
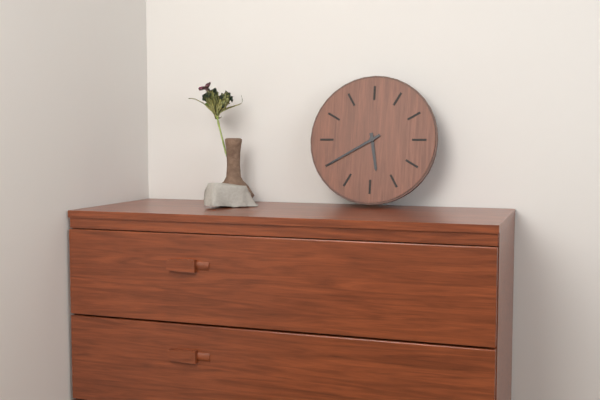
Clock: 5 h 40 min
